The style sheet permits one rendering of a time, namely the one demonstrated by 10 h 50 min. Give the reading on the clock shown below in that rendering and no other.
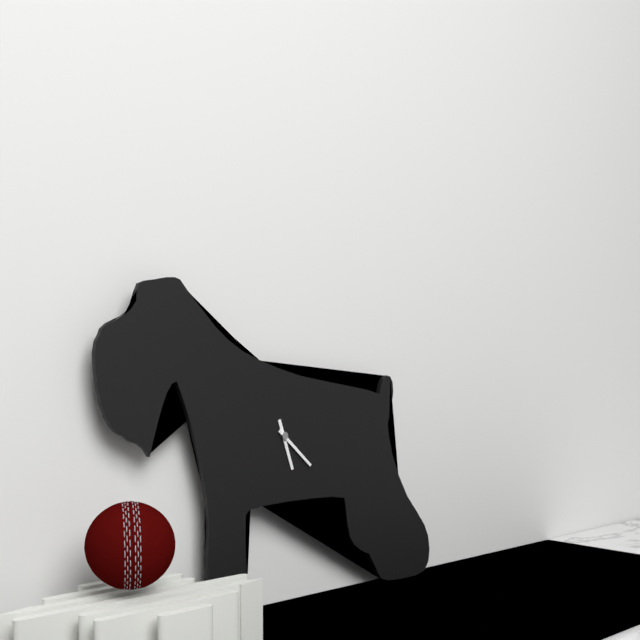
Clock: 5 h 22 min
